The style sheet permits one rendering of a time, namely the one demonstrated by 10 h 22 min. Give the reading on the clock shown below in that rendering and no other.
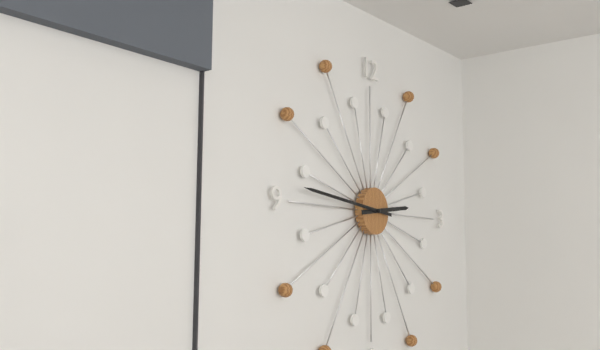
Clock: 2 h 46 min
